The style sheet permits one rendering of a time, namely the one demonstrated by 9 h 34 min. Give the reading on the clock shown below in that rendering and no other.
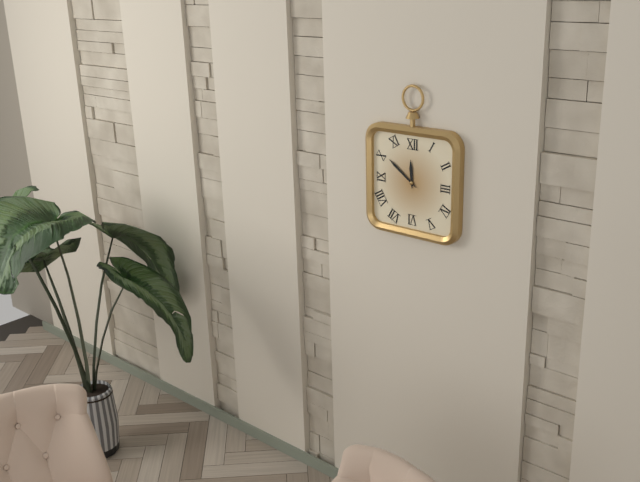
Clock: 11 h 51 min
